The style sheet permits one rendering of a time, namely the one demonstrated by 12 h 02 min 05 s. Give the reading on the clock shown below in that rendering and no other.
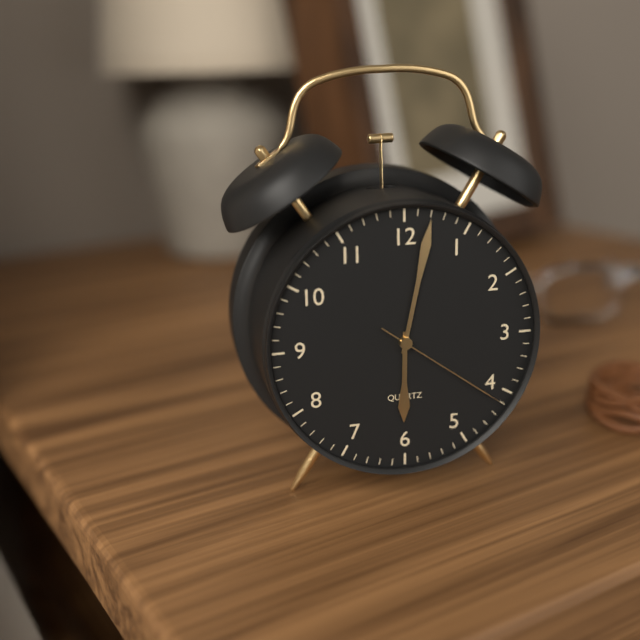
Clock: 6 h 02 min 21 s
